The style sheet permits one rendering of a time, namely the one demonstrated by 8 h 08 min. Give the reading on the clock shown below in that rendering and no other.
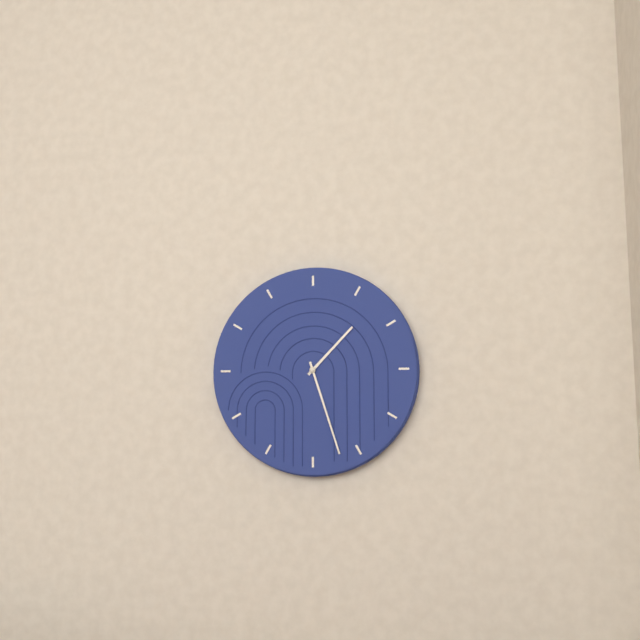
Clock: 1 h 27 min
